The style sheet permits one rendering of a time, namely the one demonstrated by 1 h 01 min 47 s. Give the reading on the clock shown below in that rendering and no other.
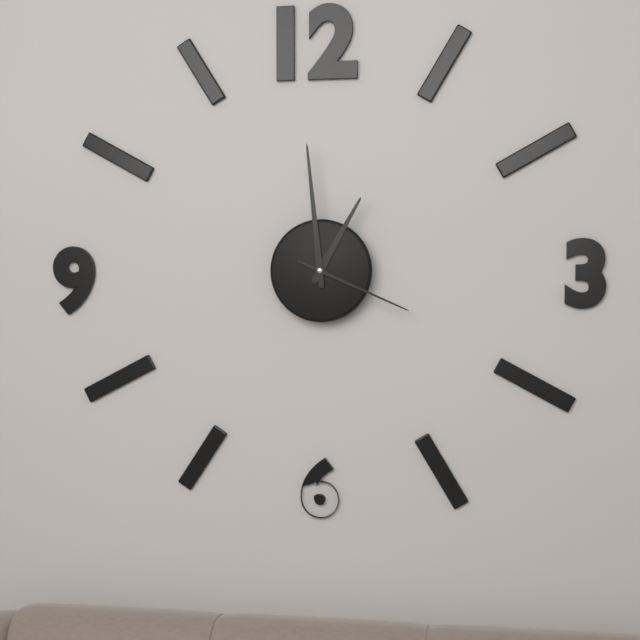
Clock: 12 h 59 min 19 s
